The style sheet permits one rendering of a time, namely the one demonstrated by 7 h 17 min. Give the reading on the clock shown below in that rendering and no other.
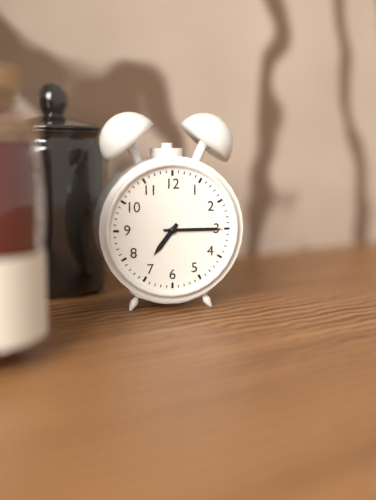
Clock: 7 h 15 min
